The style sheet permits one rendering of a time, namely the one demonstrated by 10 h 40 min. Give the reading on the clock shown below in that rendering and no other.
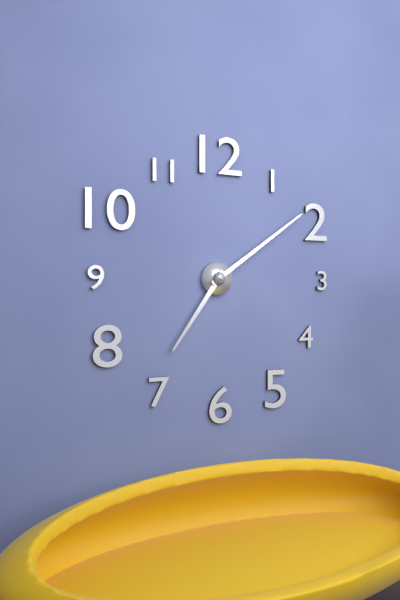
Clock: 7 h 09 min
